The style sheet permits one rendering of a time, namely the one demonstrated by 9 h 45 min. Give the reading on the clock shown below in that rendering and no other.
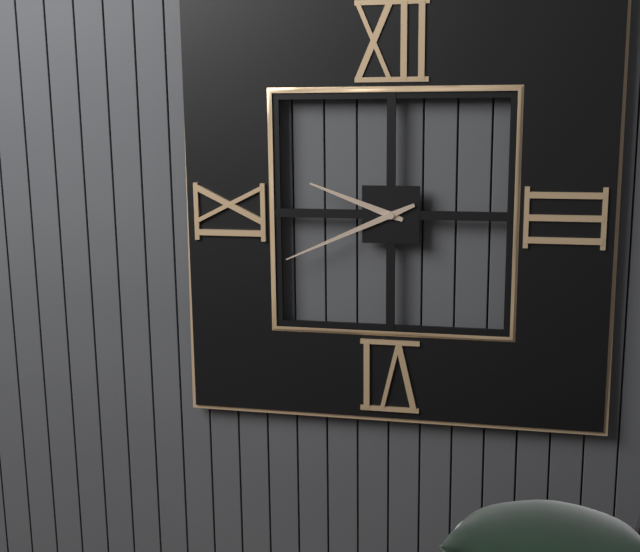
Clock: 9 h 41 min
